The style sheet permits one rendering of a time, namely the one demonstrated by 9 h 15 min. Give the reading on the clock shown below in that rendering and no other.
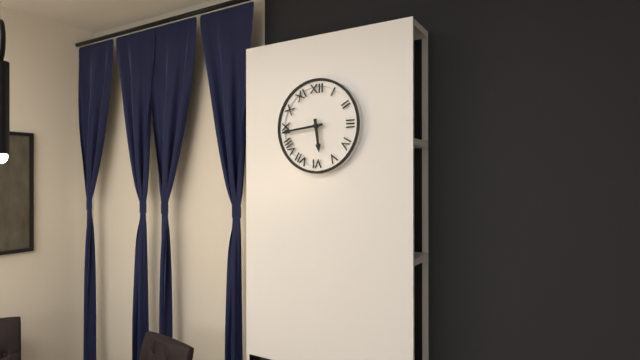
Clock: 5 h 44 min
